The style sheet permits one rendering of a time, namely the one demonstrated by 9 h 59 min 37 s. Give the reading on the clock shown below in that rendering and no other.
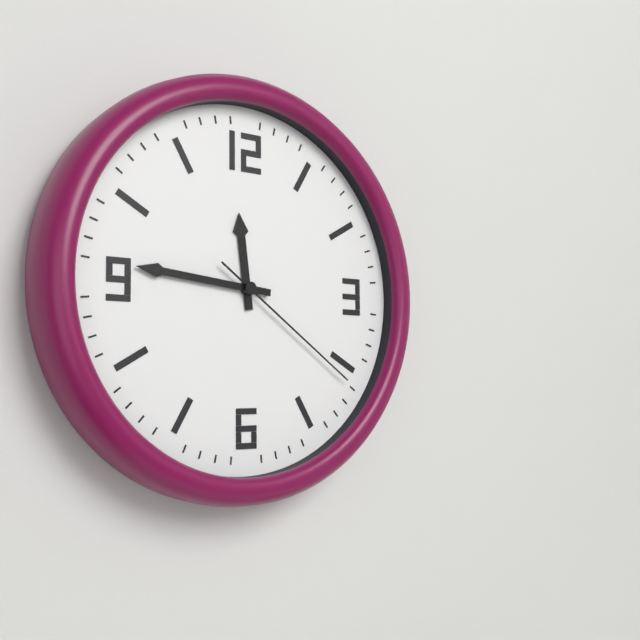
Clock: 11 h 46 min 21 s
